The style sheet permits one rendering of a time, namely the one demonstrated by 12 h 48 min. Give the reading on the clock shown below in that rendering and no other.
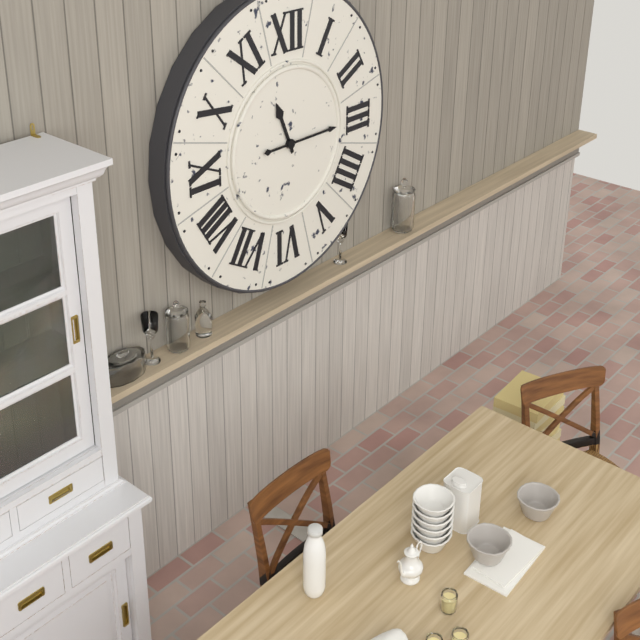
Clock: 11 h 15 min
